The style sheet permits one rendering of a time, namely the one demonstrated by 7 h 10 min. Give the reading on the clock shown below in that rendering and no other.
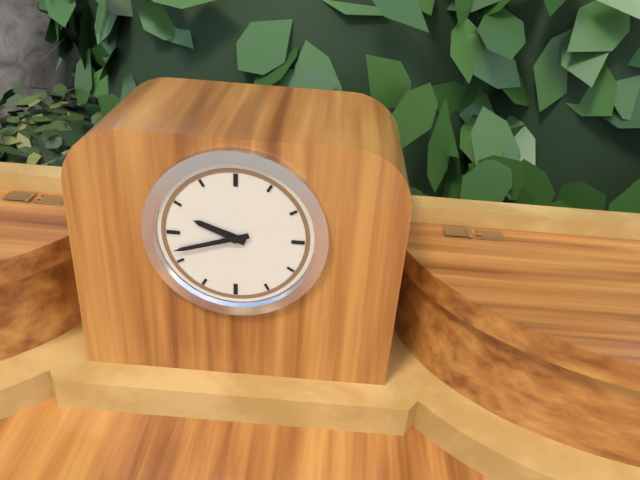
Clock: 9 h 42 min
